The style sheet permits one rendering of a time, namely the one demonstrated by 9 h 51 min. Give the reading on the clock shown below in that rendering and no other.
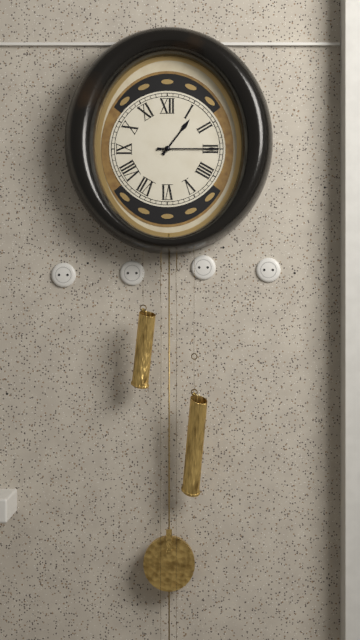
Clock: 1 h 15 min
